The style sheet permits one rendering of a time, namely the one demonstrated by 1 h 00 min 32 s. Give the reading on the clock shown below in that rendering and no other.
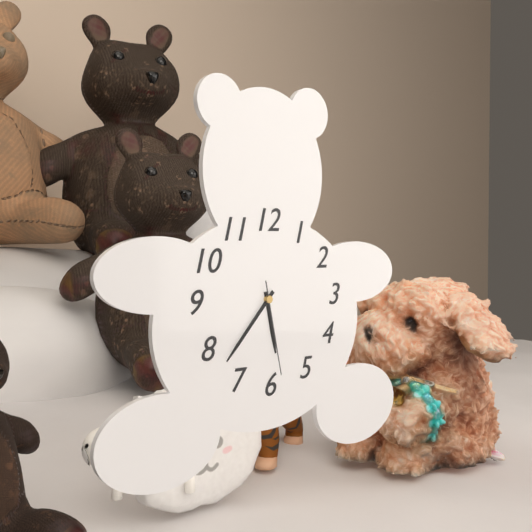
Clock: 5 h 37 min 28 s
